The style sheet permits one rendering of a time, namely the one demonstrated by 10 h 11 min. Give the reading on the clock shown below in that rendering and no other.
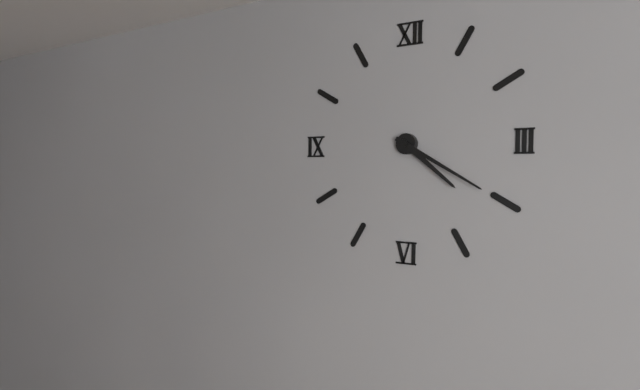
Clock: 4 h 20 min
